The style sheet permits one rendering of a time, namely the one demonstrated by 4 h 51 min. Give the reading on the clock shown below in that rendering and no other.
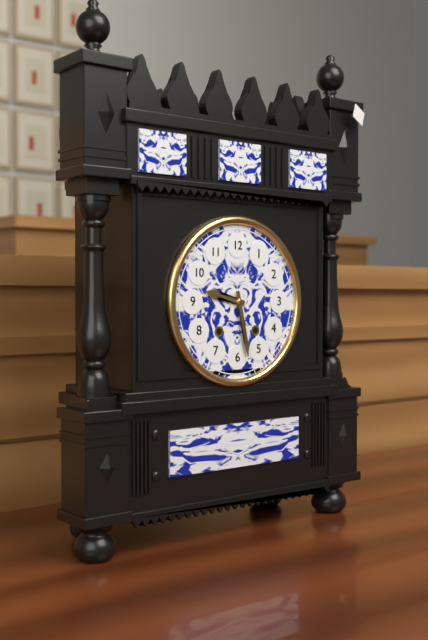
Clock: 9 h 28 min
